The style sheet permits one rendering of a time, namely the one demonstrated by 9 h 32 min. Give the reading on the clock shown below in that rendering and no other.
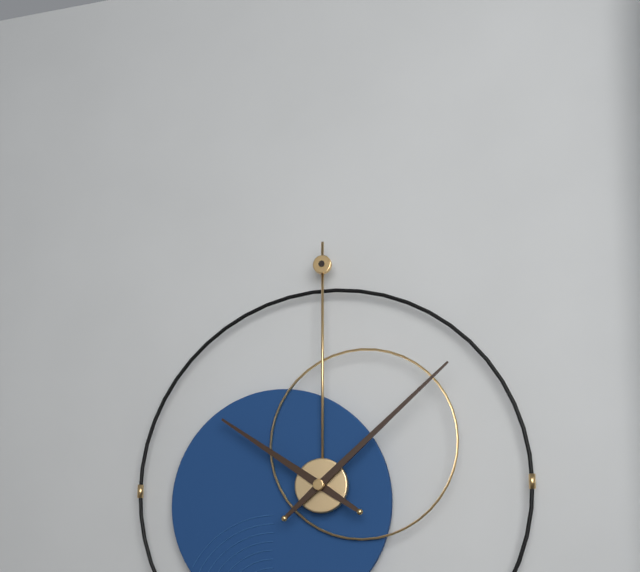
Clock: 10 h 08 min
